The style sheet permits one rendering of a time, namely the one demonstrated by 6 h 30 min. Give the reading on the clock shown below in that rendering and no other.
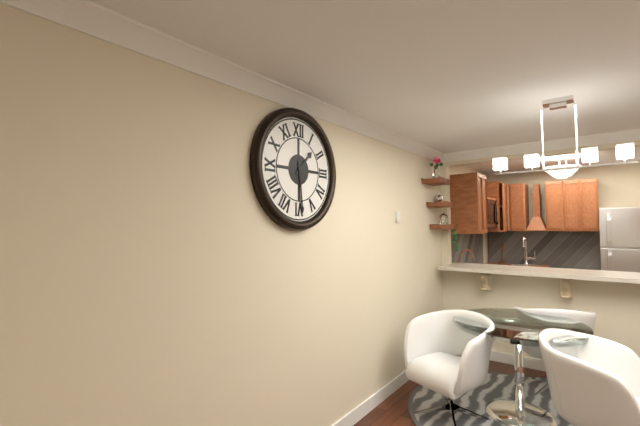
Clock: 1 h 29 min
